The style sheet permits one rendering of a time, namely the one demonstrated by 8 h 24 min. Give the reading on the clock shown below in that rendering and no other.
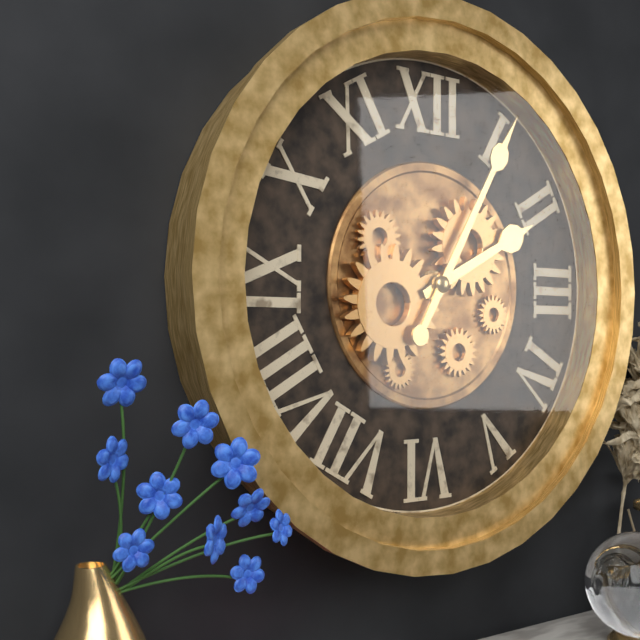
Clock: 2 h 05 min
